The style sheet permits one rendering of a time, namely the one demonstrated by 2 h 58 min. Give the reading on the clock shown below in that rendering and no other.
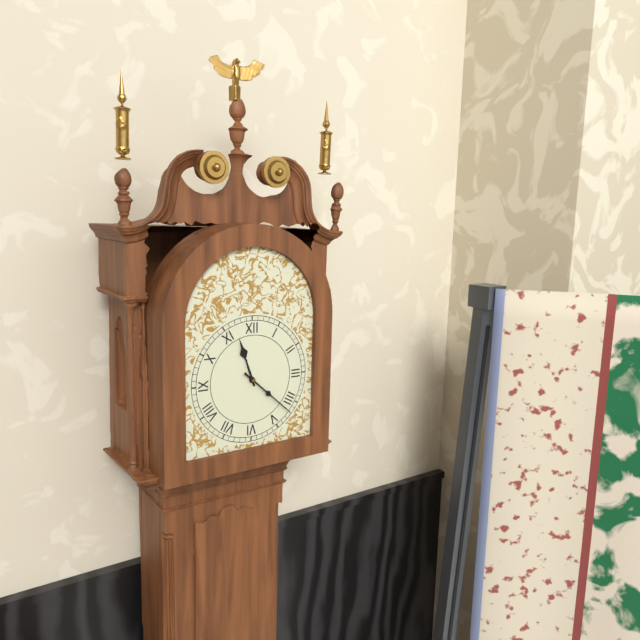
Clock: 11 h 22 min
